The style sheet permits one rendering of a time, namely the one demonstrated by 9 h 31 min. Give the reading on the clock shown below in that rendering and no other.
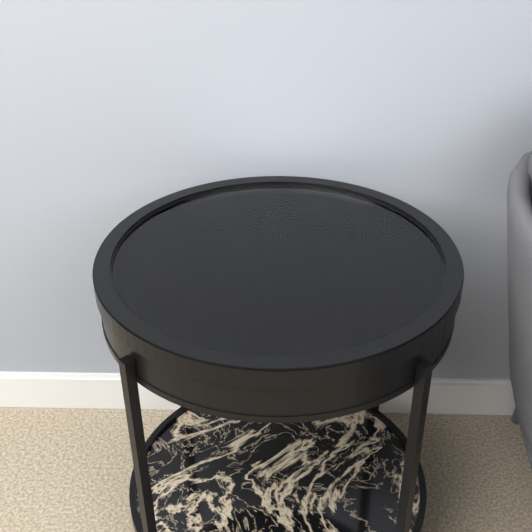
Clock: 11 h 45 min
